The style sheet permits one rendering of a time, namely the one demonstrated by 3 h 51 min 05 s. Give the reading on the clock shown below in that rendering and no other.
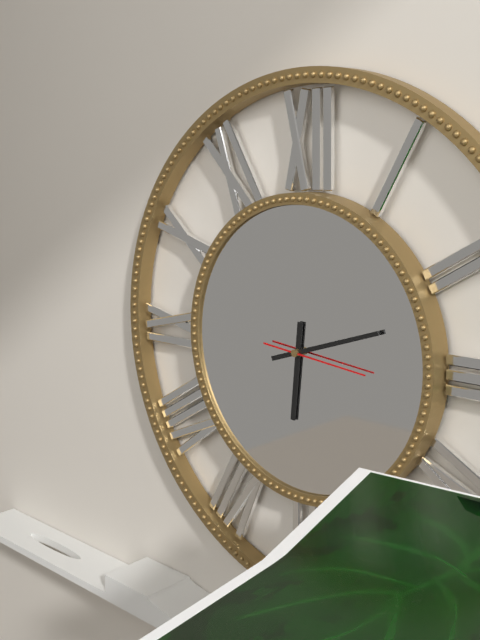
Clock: 6 h 12 min 16 s
